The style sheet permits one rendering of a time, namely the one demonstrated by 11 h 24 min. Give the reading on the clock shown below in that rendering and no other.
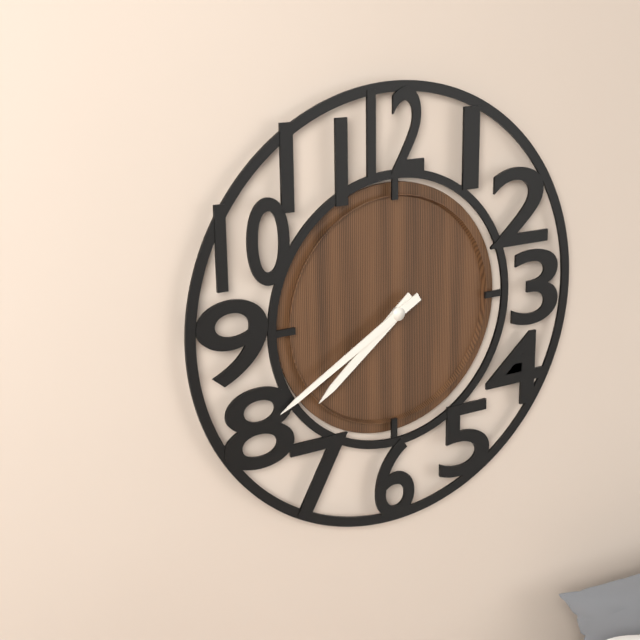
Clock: 7 h 40 min
